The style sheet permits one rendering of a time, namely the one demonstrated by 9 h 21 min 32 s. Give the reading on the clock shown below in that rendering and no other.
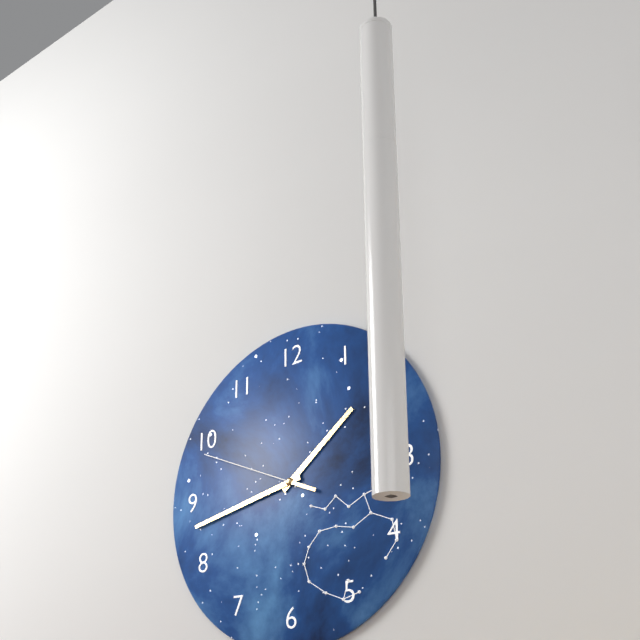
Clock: 1 h 43 min 49 s
